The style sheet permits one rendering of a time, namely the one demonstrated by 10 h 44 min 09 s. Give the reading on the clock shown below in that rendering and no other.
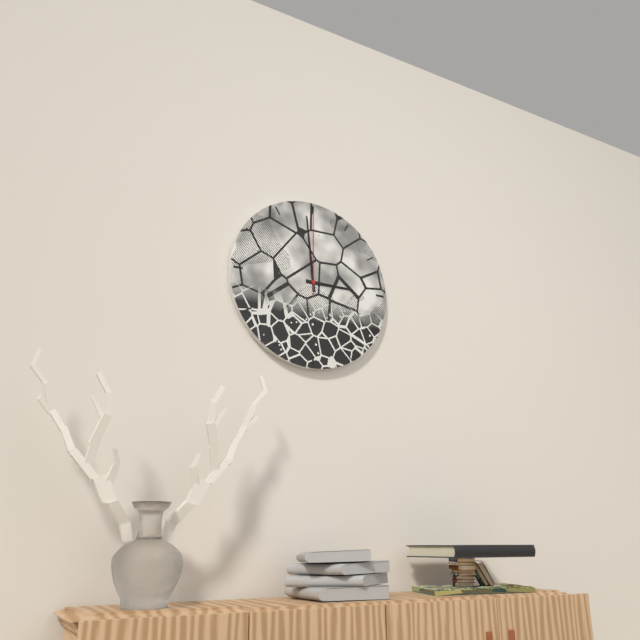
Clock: 2 h 59 min 00 s
